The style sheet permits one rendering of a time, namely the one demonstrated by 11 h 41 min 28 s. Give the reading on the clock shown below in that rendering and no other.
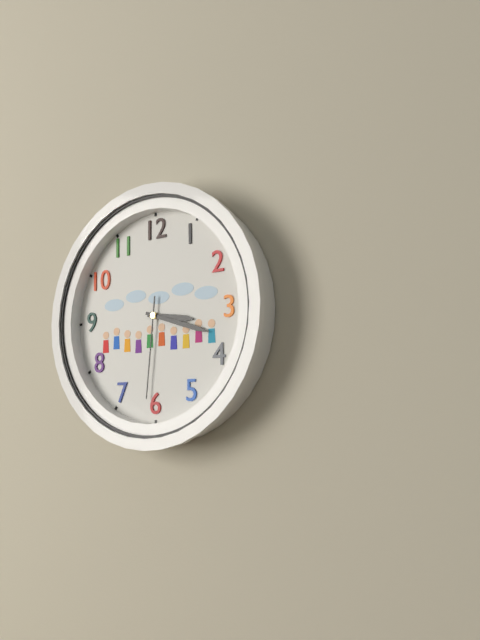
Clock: 3 h 18 min 31 s
